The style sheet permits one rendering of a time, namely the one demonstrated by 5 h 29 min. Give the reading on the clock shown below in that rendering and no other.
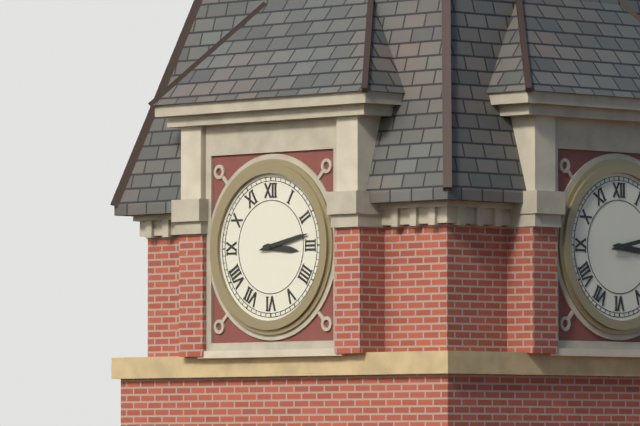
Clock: 3 h 13 min
